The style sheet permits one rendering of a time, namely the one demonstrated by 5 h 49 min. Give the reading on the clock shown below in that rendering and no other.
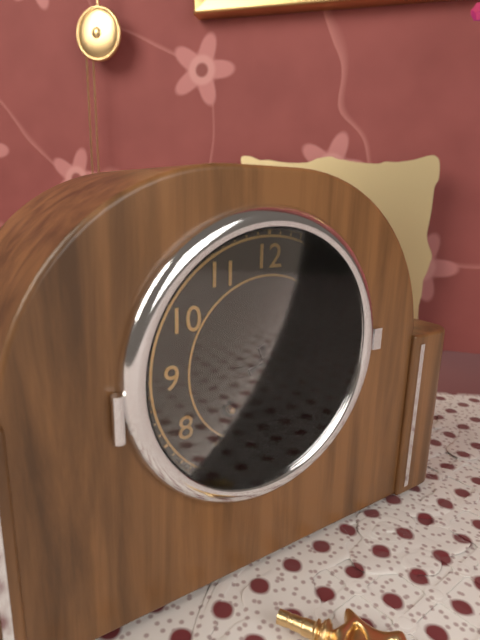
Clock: 5 h 12 min
